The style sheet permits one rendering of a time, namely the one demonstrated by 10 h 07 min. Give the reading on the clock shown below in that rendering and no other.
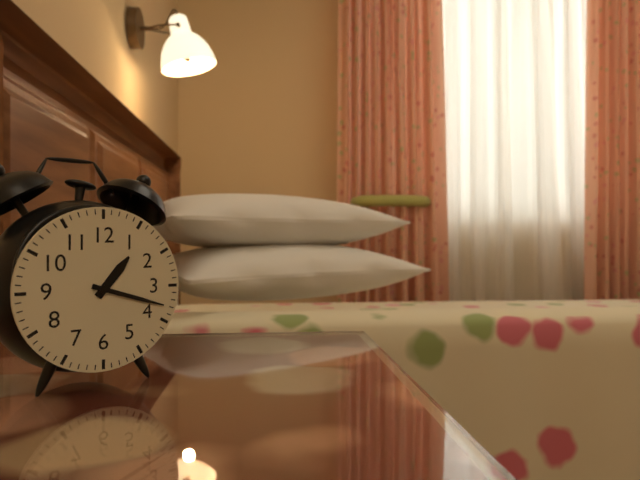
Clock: 1 h 18 min
